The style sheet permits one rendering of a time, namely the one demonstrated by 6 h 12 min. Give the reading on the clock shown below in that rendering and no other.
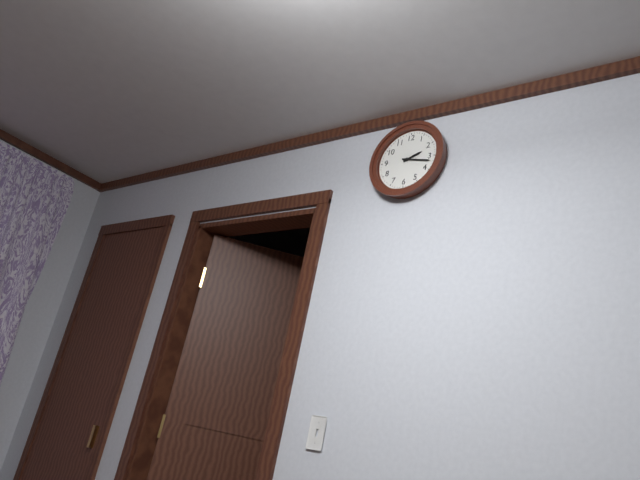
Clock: 2 h 17 min
